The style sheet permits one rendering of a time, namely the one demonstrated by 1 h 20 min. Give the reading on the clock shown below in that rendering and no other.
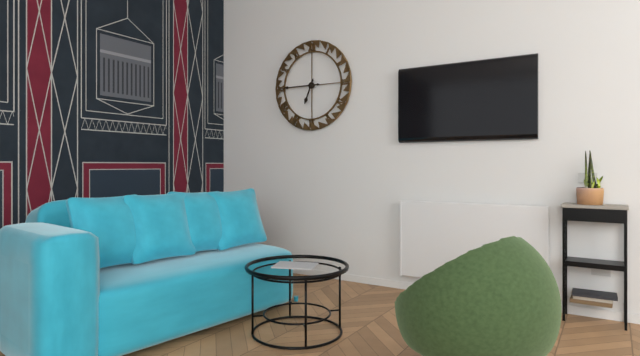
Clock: 6 h 45 min
